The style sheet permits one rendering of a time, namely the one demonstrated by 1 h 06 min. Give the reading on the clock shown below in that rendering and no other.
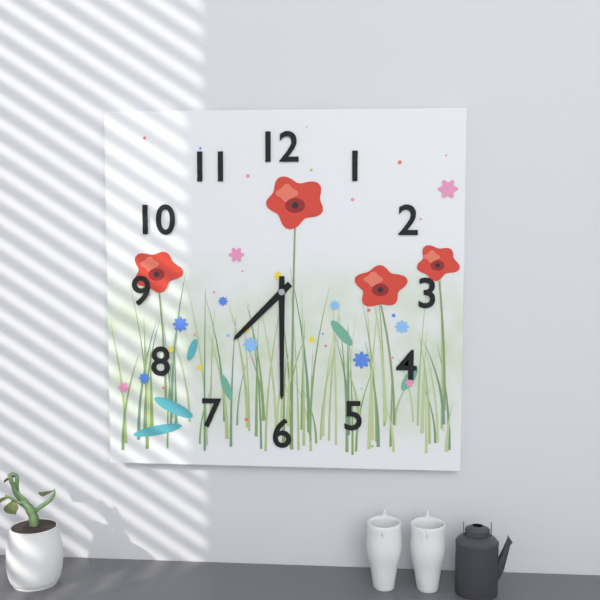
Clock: 7 h 30 min
